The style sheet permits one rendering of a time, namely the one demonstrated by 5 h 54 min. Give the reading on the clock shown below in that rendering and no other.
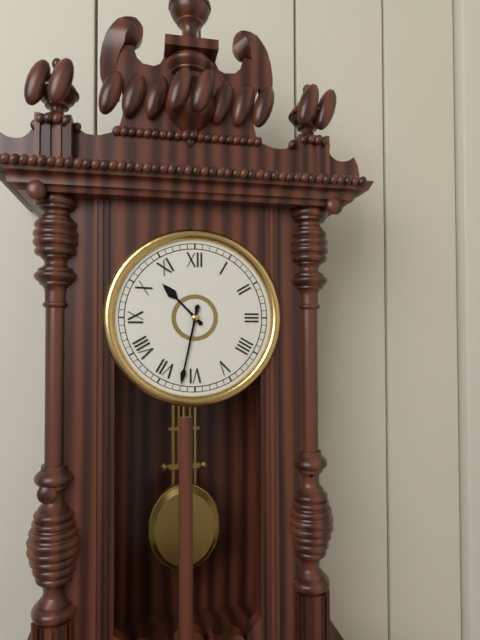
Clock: 10 h 32 min
